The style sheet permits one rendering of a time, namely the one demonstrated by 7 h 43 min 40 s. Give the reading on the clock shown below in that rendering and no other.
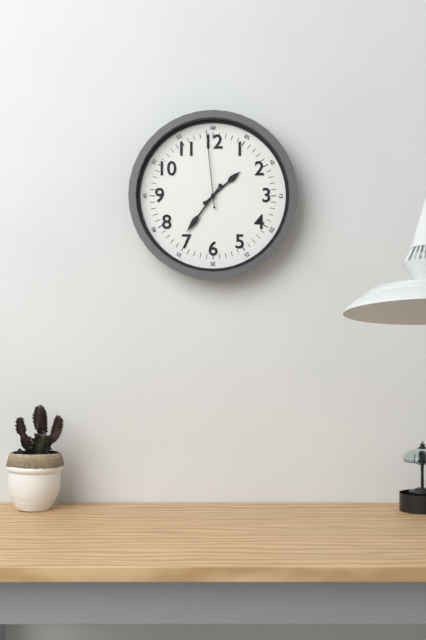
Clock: 1 h 36 min 59 s
